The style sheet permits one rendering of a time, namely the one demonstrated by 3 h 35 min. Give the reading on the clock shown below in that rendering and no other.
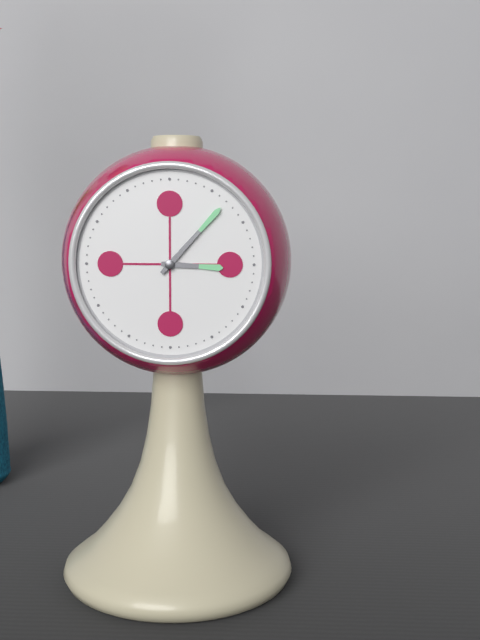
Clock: 3 h 07 min
